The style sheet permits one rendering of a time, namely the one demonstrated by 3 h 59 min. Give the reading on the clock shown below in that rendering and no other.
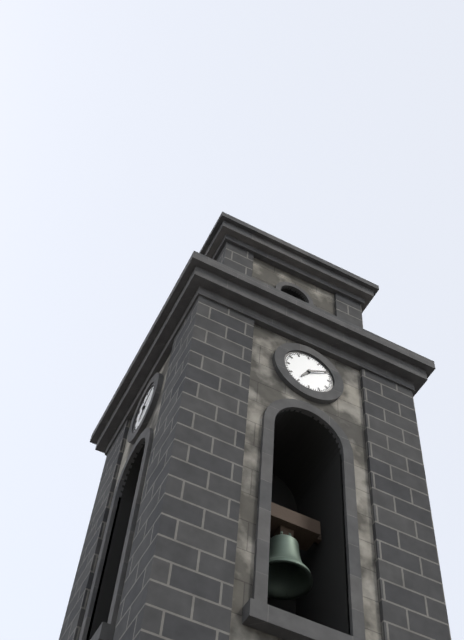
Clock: 7 h 10 min
